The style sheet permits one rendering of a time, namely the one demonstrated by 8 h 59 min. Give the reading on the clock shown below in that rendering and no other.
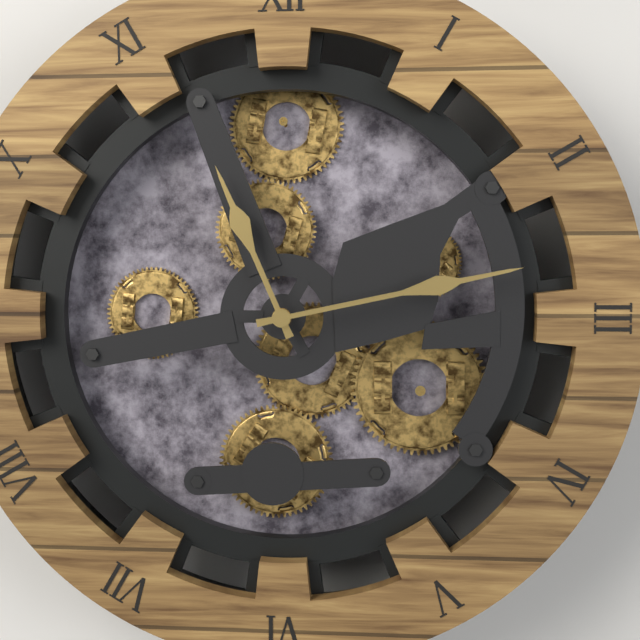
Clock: 11 h 13 min
